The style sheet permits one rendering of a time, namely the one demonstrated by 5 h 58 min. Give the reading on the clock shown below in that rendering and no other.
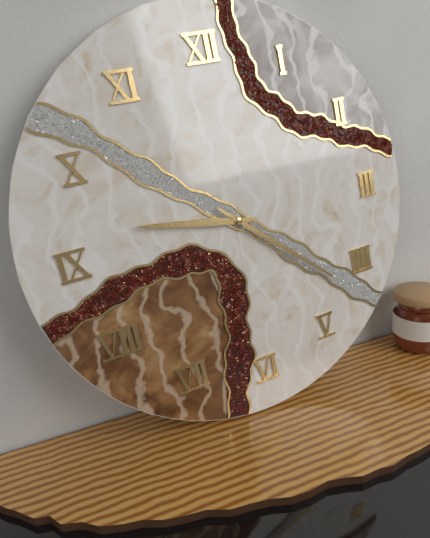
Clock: 9 h 22 min
